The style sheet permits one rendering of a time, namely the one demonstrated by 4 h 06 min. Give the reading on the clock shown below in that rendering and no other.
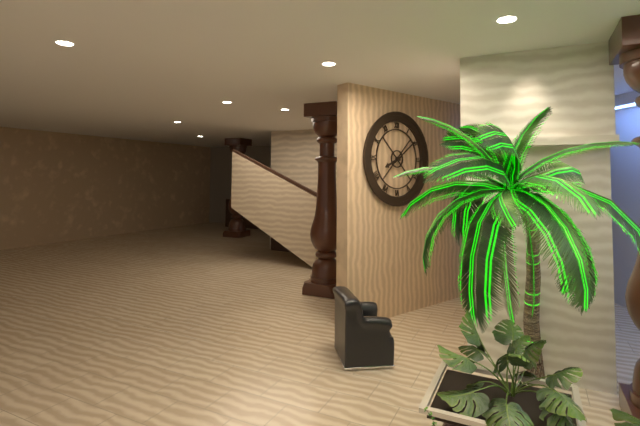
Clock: 8 h 09 min
